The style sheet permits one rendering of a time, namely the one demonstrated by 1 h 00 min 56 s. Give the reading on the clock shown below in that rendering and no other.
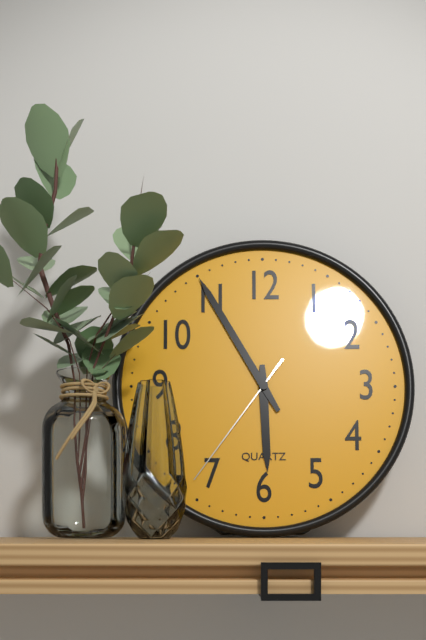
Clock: 5 h 55 min 36 s
